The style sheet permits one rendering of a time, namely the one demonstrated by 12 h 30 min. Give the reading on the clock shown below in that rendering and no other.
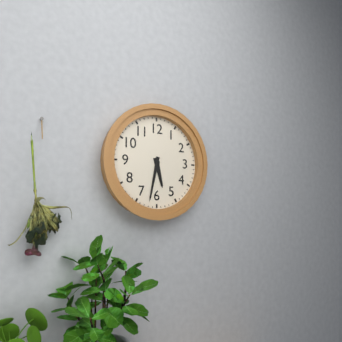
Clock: 5 h 32 min
